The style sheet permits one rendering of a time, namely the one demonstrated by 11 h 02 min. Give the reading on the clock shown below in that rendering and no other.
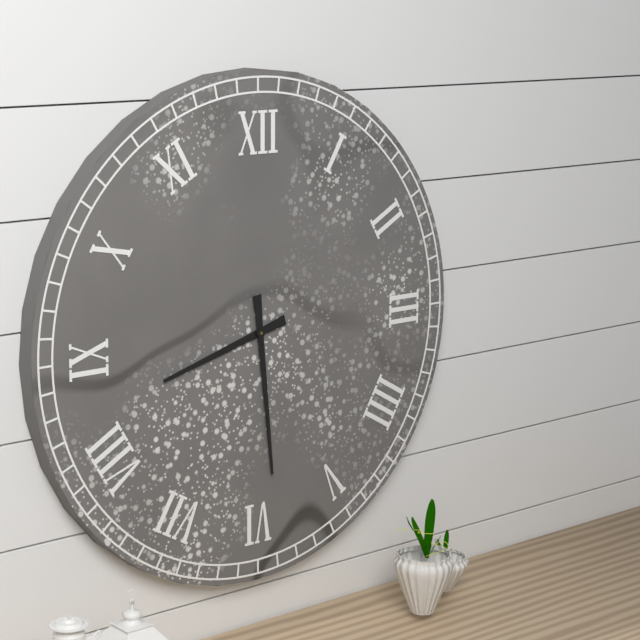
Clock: 8 h 29 min
